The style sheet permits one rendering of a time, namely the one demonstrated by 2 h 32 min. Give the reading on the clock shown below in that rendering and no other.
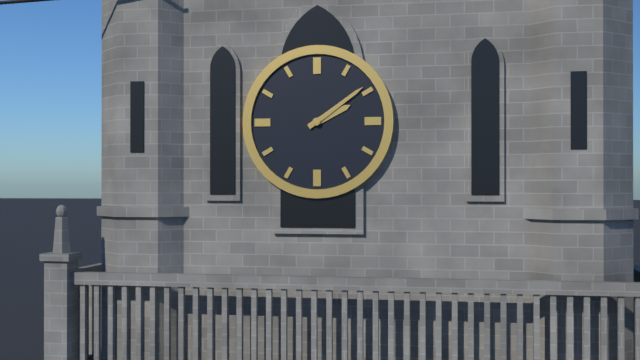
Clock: 2 h 09 min
